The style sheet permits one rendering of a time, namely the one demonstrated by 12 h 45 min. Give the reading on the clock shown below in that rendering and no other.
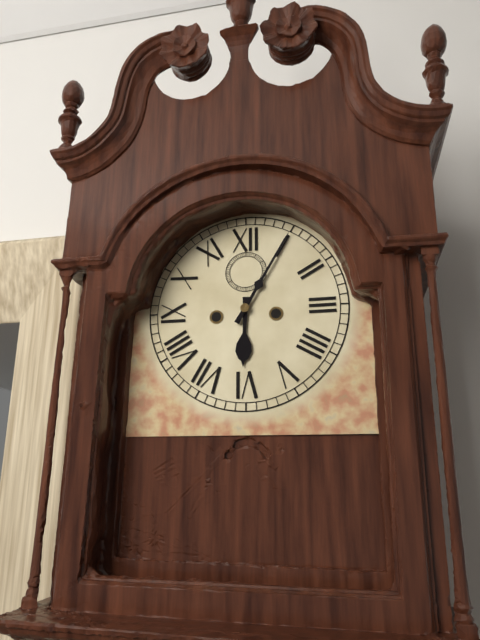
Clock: 6 h 05 min
